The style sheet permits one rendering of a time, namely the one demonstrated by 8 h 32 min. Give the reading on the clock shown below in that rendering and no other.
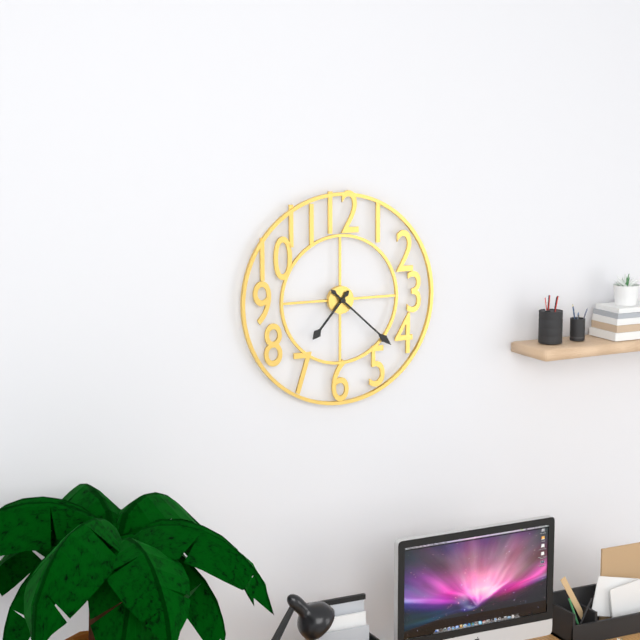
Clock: 7 h 22 min
